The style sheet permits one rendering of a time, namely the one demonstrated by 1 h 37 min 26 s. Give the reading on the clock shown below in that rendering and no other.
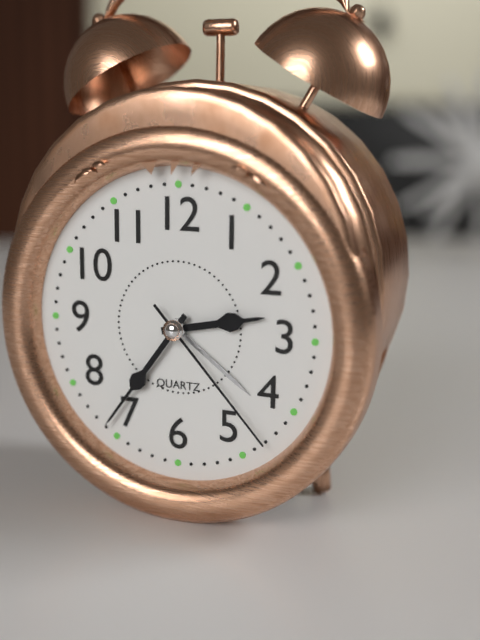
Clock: 2 h 36 min 23 s
